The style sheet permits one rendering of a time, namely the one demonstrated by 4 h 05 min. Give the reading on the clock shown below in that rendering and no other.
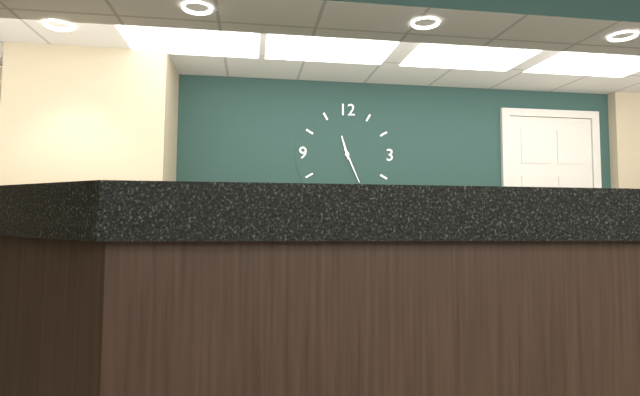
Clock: 11 h 26 min
